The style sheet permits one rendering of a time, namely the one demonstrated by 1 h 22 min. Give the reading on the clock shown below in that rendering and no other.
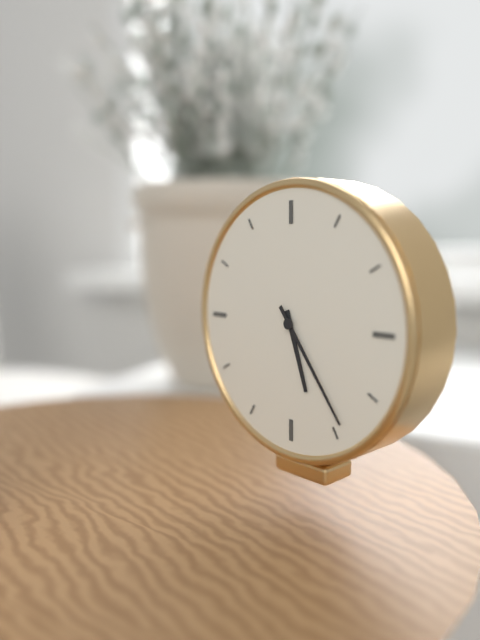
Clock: 5 h 24 min
